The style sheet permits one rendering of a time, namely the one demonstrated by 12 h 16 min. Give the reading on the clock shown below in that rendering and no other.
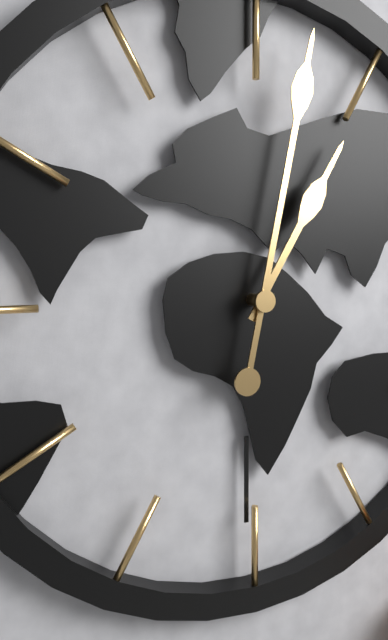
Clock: 1 h 02 min
